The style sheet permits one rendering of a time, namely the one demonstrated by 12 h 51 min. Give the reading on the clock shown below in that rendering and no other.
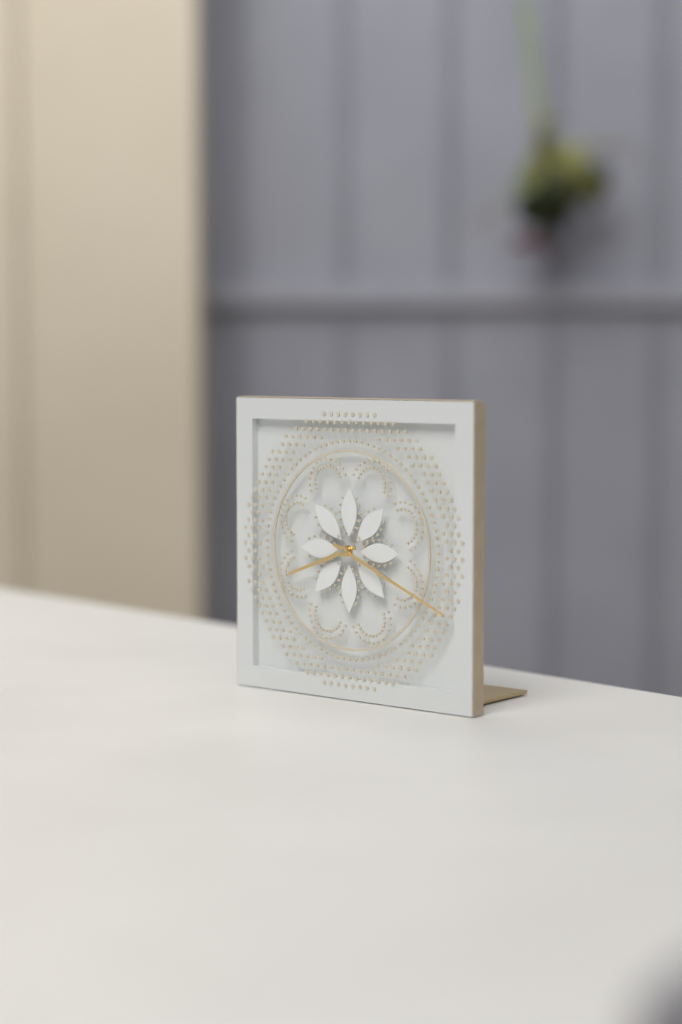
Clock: 8 h 19 min
